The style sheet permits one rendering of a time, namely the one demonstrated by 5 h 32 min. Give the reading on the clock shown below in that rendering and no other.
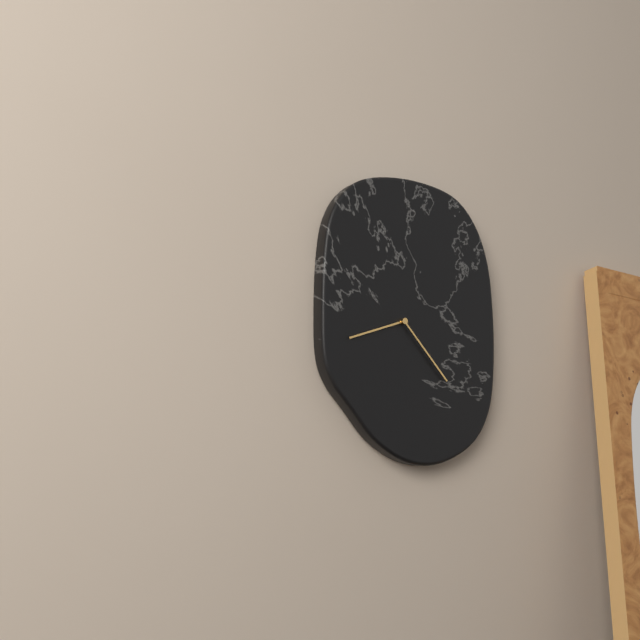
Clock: 8 h 23 min
